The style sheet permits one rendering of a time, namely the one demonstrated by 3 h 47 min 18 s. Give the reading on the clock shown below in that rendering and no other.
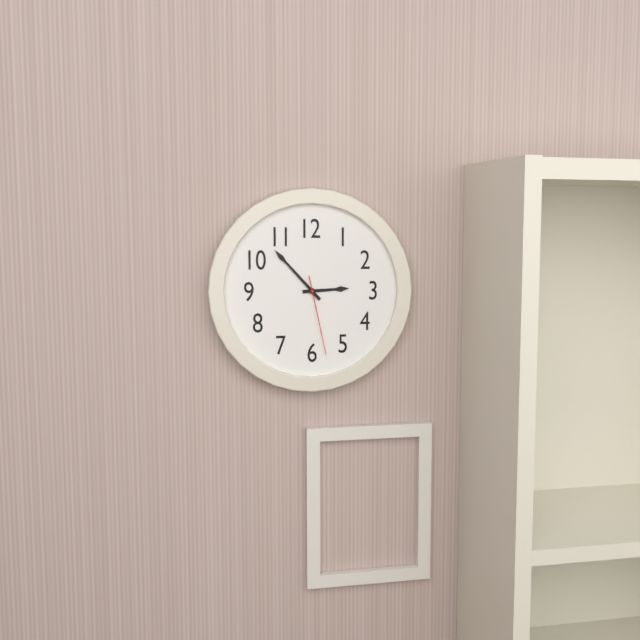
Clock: 2 h 53 min 28 s
